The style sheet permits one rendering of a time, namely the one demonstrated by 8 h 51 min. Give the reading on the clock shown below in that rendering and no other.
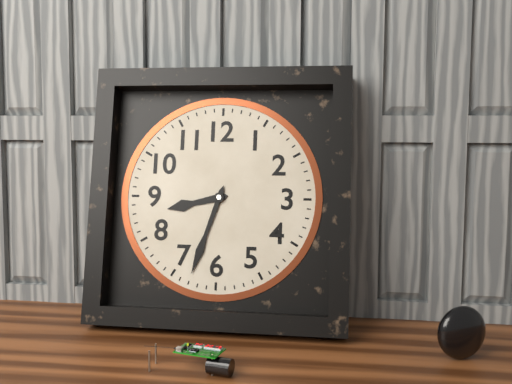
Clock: 8 h 33 min
